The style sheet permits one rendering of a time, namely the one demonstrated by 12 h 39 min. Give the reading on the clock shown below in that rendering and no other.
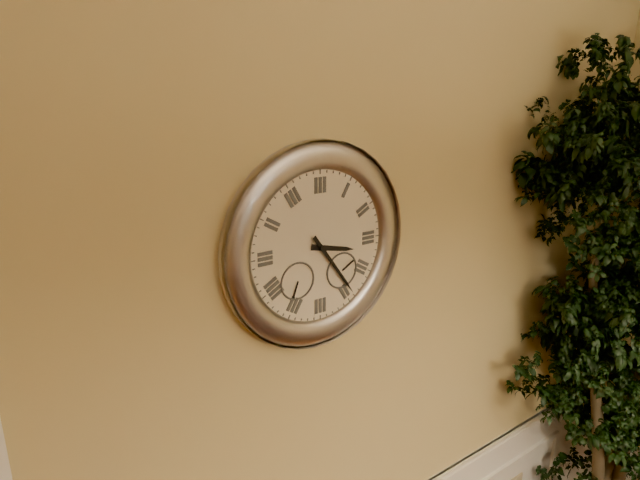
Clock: 3 h 24 min
